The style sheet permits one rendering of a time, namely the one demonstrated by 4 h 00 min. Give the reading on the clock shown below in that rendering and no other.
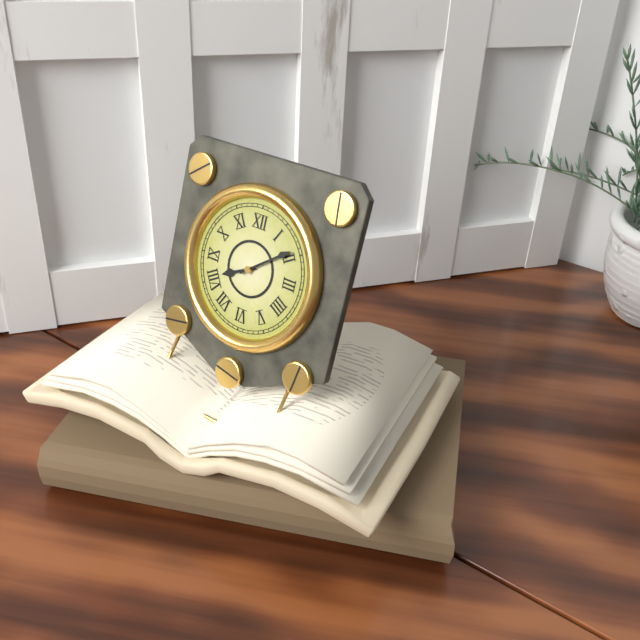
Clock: 8 h 09 min
